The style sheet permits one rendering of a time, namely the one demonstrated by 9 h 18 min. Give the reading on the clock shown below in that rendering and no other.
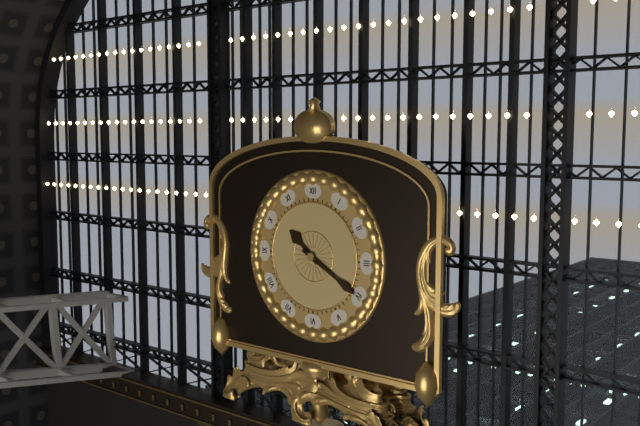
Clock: 10 h 20 min
